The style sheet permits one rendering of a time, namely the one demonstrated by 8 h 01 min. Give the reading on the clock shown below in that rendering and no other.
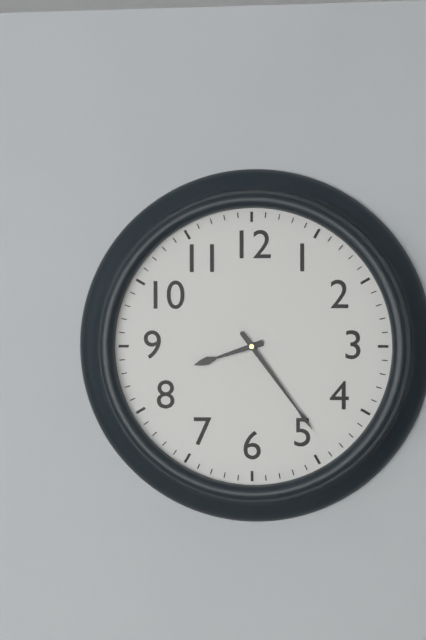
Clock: 8 h 24 min
